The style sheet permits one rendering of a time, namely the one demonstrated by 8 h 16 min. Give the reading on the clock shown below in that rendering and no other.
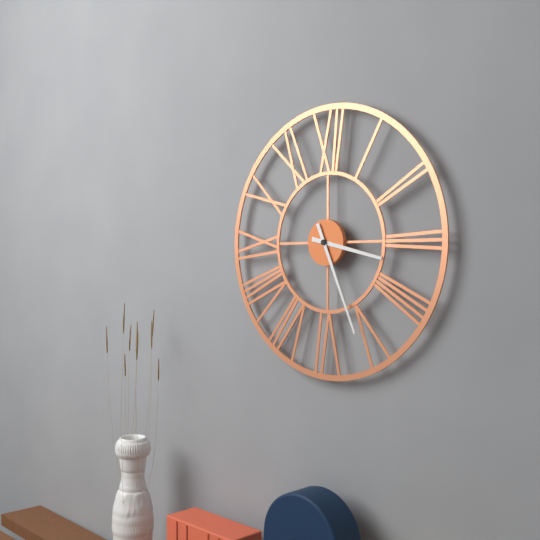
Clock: 3 h 26 min
